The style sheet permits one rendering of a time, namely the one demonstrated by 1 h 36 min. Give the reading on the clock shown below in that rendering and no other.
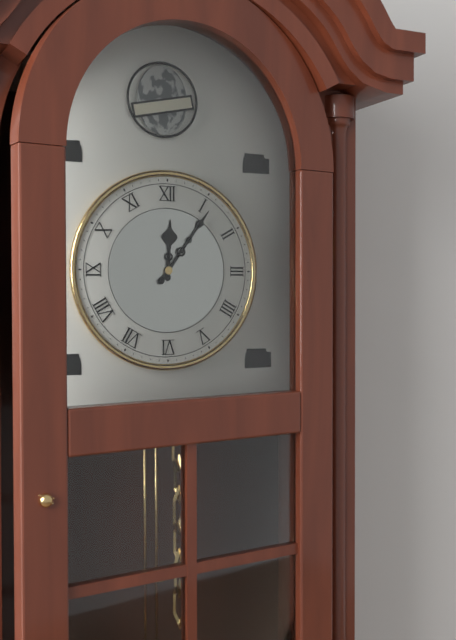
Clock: 12 h 06 min
